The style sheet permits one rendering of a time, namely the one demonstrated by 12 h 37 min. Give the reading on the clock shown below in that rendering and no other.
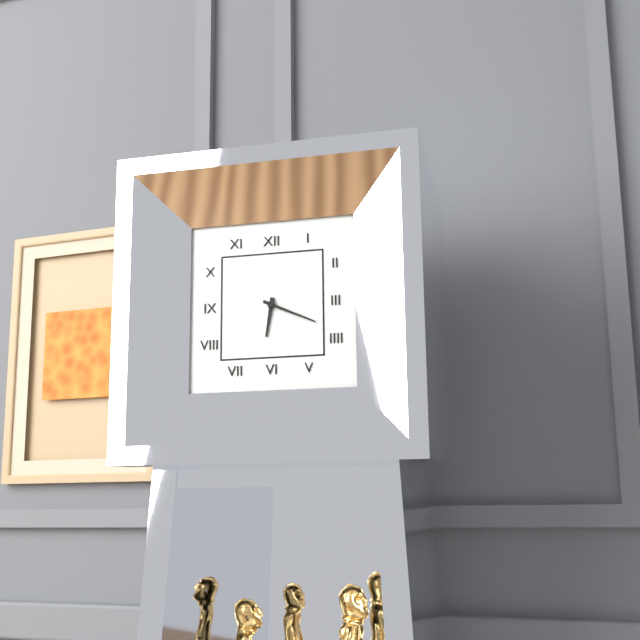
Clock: 6 h 19 min
